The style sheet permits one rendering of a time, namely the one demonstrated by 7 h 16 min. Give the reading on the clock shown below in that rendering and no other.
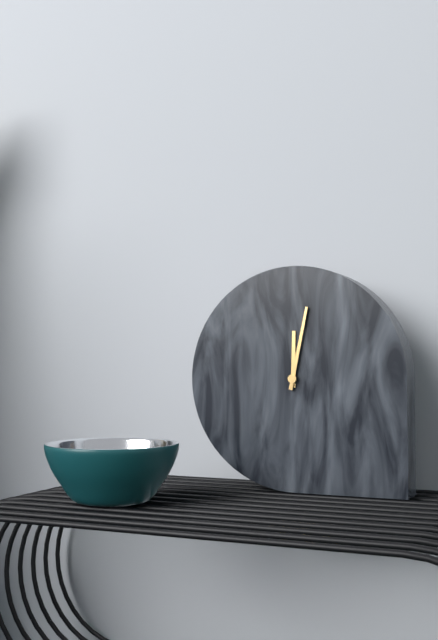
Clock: 12 h 02 min
